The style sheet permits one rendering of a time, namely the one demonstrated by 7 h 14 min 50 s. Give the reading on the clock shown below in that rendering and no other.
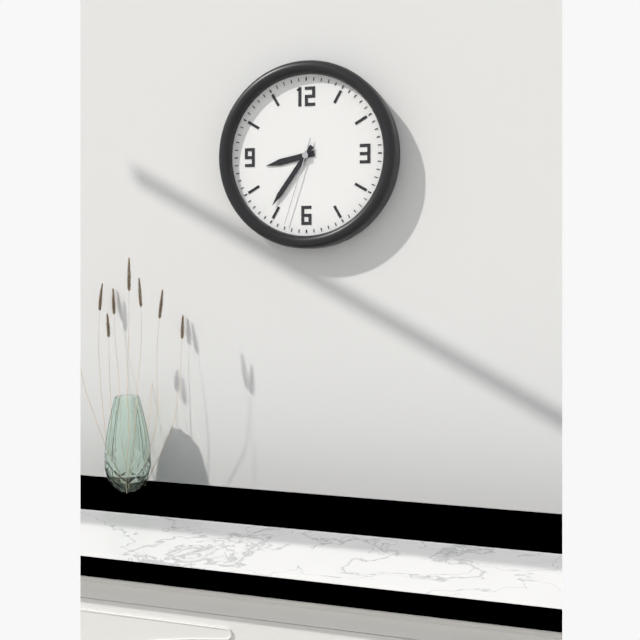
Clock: 8 h 36 min 33 s
